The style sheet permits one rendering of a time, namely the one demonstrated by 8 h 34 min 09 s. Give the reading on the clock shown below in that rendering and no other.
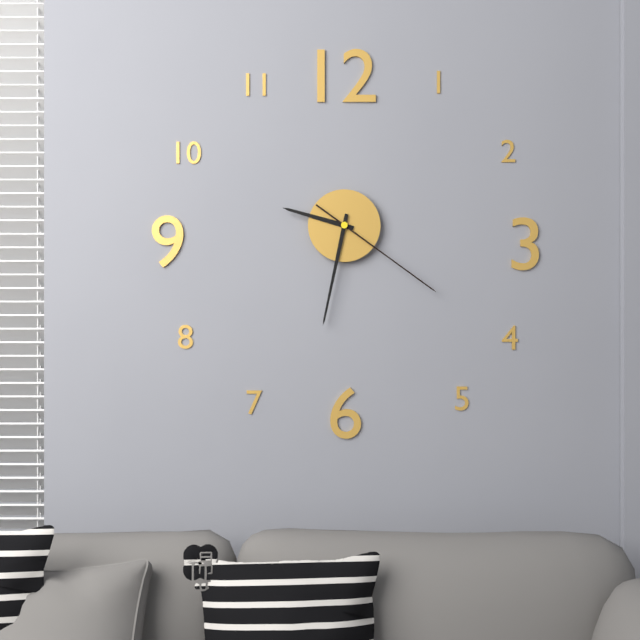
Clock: 9 h 32 min 21 s
